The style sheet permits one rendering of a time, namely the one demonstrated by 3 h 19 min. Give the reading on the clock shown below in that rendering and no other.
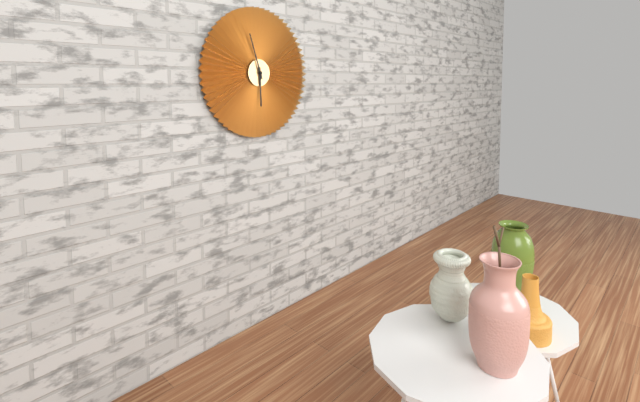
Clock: 5 h 57 min
